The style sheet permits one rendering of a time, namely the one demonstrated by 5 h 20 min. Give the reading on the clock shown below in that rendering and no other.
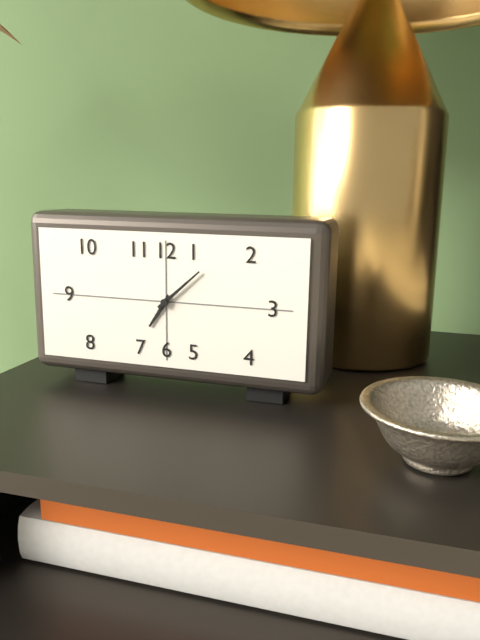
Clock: 7 h 08 min
